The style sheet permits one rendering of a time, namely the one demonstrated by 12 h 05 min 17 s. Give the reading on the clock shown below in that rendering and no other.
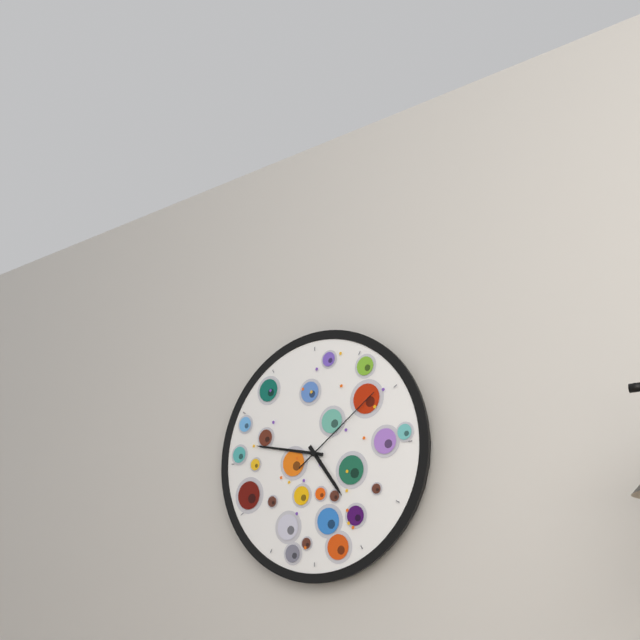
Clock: 4 h 47 min 09 s
